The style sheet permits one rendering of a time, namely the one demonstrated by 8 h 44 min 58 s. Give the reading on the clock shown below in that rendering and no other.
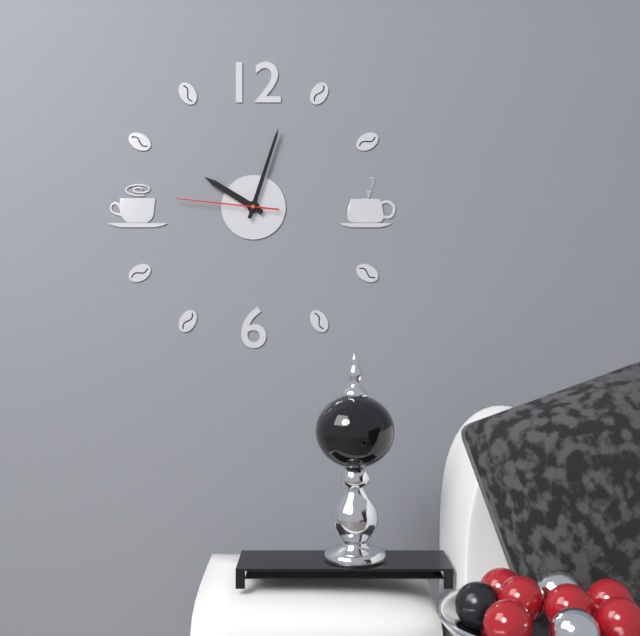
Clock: 10 h 03 min 46 s
